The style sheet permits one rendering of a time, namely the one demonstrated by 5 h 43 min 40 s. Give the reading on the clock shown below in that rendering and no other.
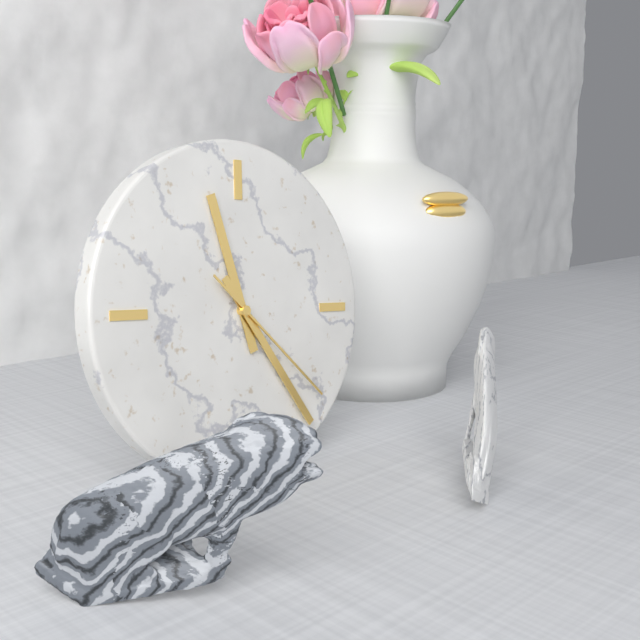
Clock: 11 h 24 min 22 s
